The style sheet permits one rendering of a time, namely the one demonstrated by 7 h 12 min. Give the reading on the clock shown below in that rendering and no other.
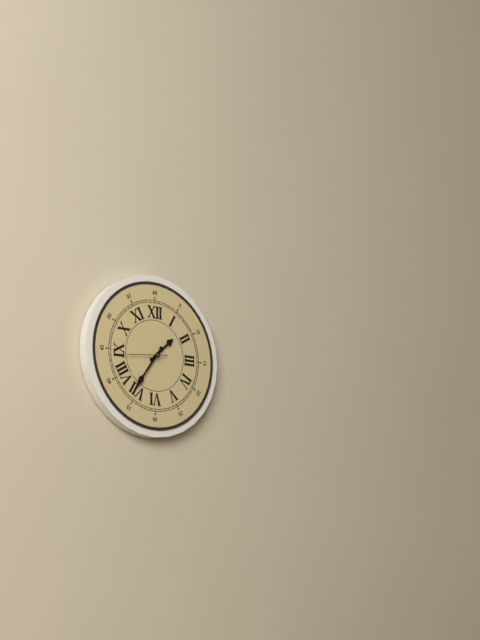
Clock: 1 h 36 min
